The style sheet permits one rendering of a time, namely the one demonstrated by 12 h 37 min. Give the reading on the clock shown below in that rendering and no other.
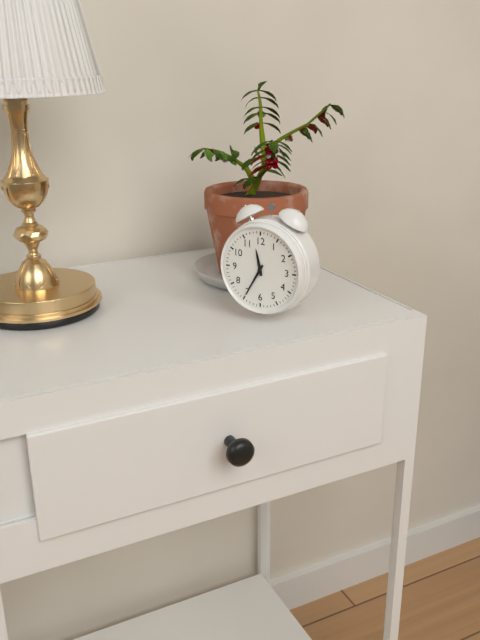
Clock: 11 h 35 min
